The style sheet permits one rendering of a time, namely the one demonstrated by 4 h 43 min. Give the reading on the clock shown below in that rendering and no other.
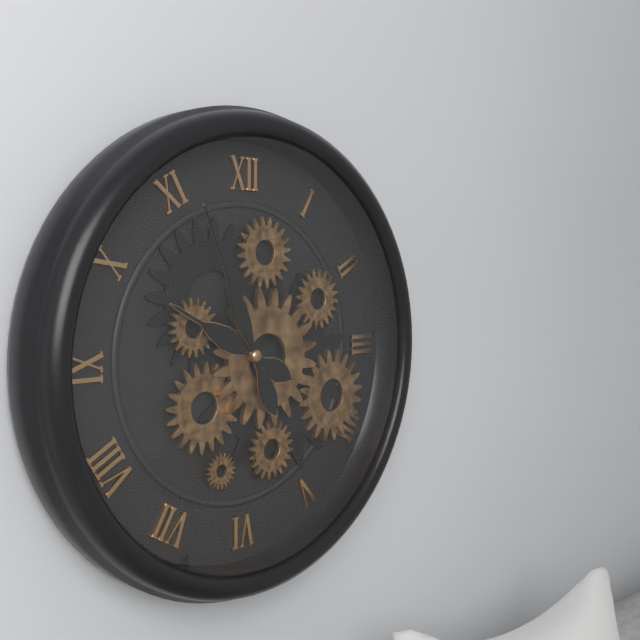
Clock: 9 h 56 min
